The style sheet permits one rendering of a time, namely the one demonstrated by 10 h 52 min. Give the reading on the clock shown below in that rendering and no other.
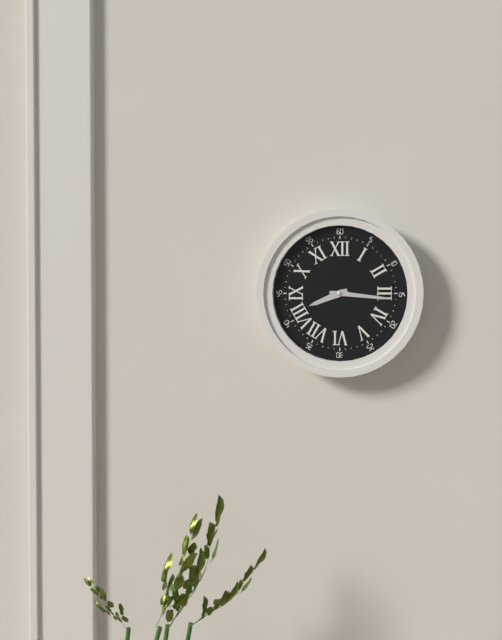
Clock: 8 h 16 min
